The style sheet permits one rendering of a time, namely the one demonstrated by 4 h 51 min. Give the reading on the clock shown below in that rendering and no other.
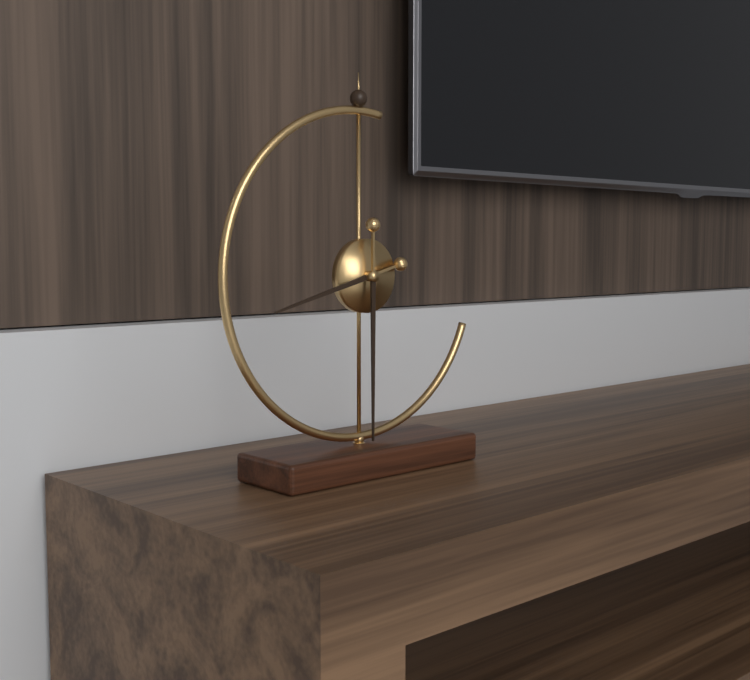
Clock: 8 h 30 min
